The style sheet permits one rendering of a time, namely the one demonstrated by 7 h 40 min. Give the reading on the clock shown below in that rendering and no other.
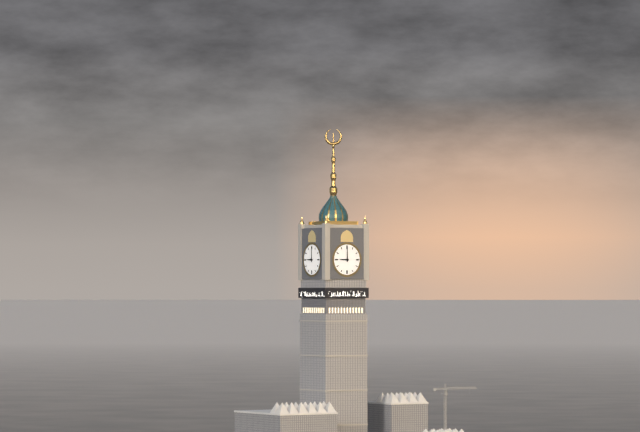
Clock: 9 h 00 min
